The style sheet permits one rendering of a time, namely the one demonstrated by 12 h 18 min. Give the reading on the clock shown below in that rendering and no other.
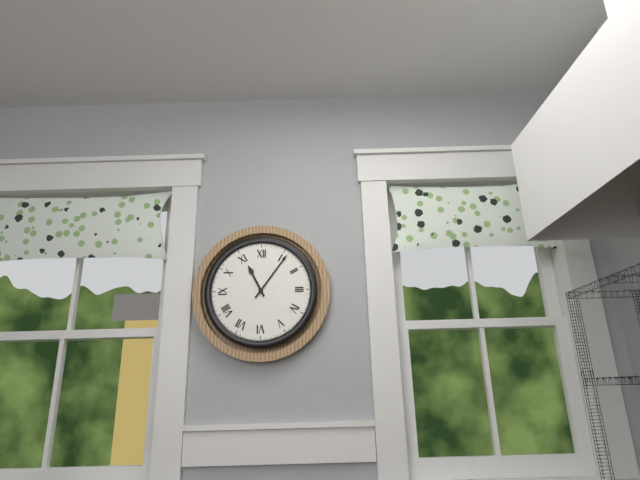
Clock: 11 h 06 min
